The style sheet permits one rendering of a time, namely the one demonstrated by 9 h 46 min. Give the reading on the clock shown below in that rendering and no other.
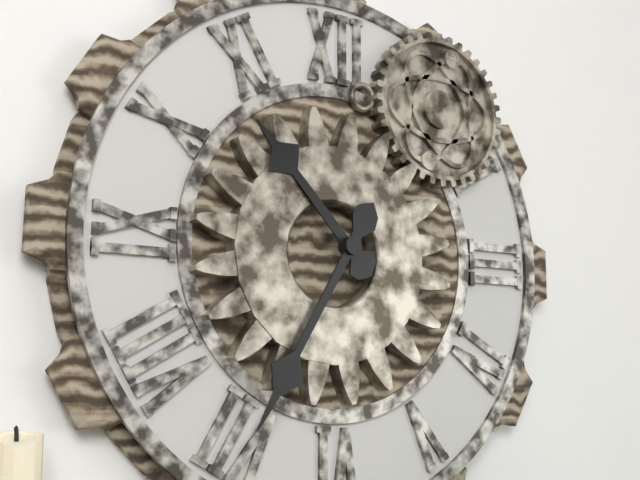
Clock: 10 h 35 min
